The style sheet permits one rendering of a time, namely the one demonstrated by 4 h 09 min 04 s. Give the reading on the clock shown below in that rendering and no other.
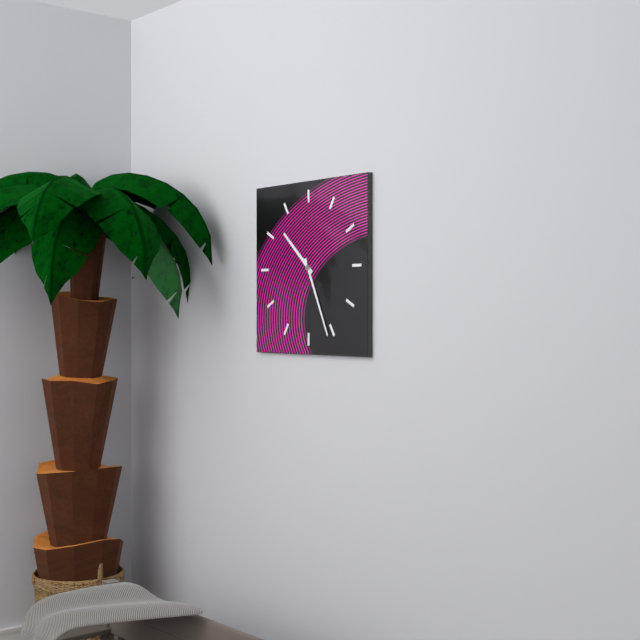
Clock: 10 h 26 min 00 s
